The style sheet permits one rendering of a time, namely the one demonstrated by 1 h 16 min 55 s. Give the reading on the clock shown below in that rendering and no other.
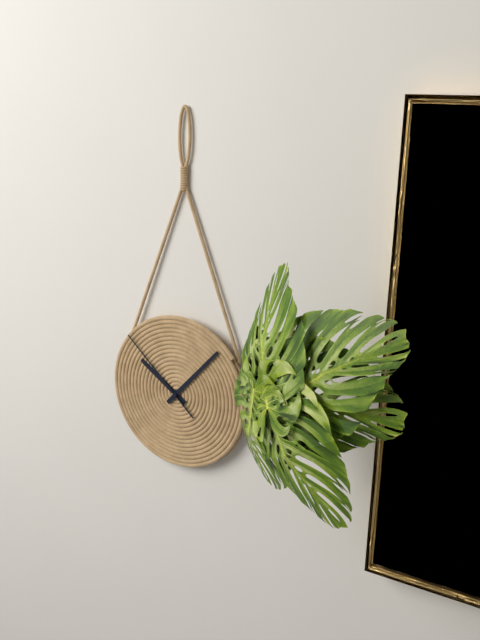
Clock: 10 h 07 min 52 s
